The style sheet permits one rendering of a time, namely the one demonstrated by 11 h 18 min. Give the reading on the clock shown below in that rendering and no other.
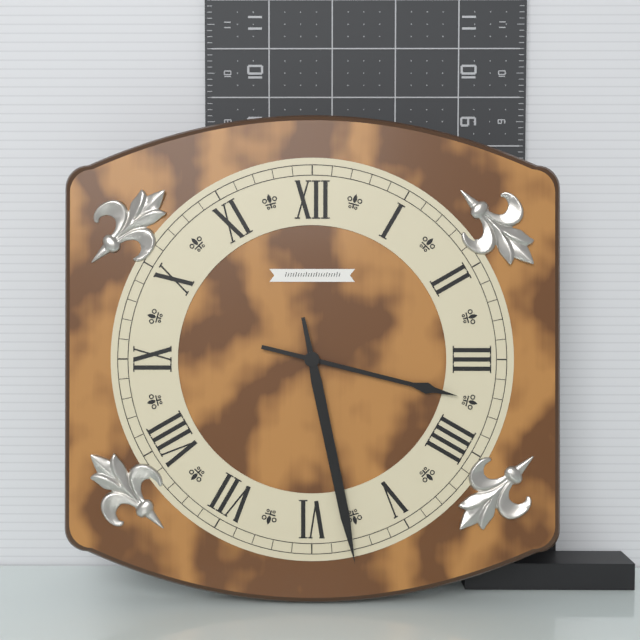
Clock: 3 h 28 min
